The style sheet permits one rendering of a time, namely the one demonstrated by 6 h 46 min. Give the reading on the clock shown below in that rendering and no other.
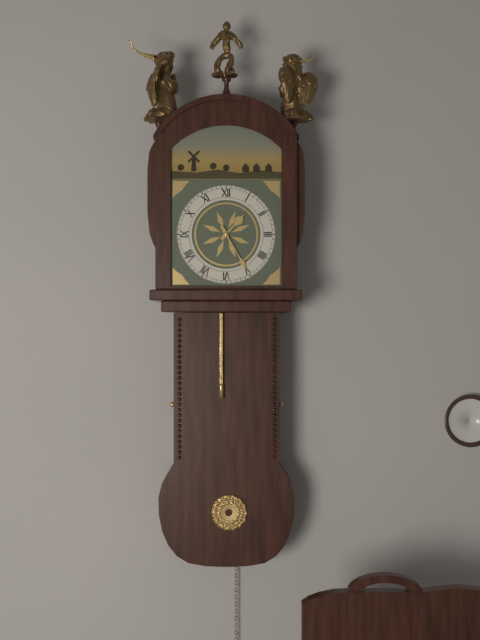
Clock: 1 h 25 min
